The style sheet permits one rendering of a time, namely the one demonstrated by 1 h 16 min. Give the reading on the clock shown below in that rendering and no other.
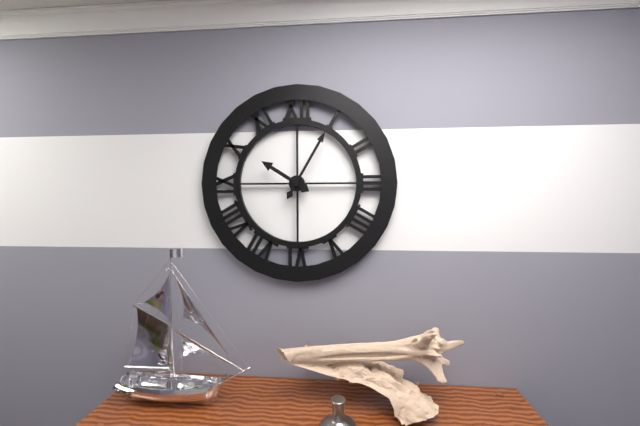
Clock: 10 h 05 min
